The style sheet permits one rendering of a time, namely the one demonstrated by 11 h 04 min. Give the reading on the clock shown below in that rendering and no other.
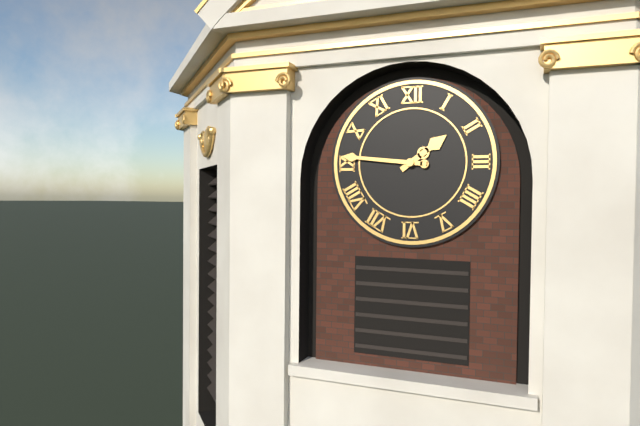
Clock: 1 h 46 min
